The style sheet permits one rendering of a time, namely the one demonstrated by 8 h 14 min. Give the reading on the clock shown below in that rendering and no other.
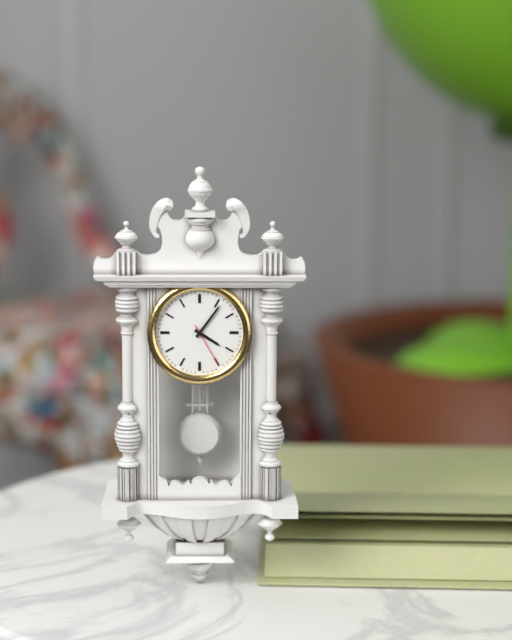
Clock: 4 h 06 min
